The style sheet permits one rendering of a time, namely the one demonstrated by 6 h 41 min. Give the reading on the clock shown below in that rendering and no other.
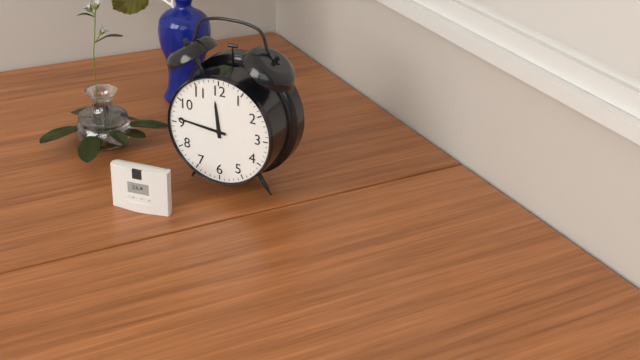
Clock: 11 h 46 min
